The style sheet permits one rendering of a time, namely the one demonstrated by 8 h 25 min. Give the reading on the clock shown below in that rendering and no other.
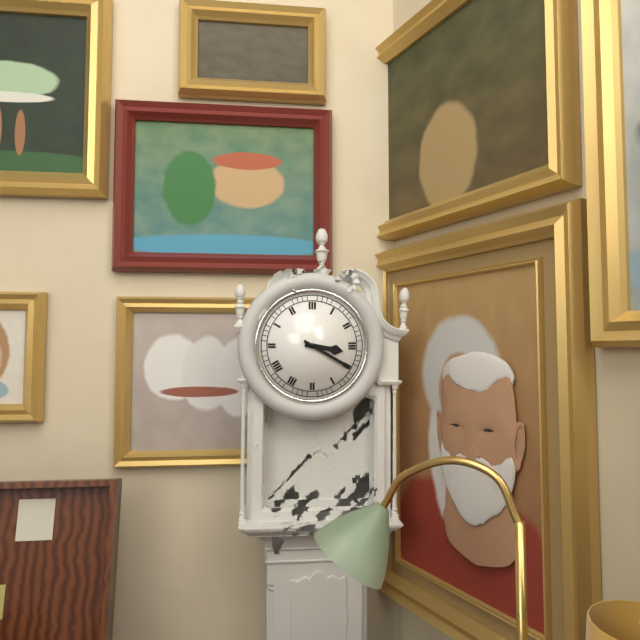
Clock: 3 h 20 min
